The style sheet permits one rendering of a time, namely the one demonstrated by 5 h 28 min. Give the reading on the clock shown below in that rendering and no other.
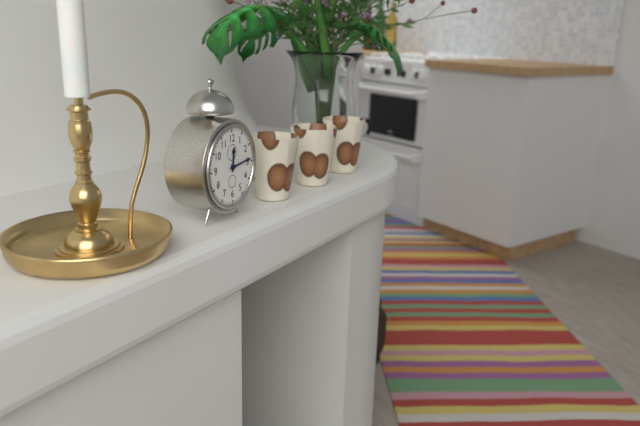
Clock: 12 h 14 min
